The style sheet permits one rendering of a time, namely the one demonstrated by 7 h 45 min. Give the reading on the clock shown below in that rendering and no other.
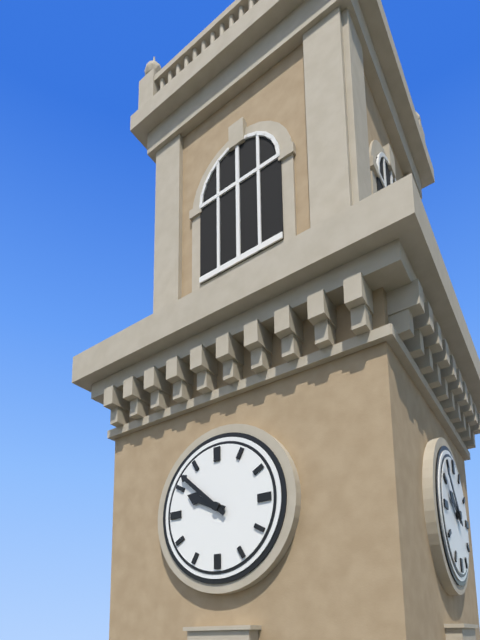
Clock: 9 h 52 min
